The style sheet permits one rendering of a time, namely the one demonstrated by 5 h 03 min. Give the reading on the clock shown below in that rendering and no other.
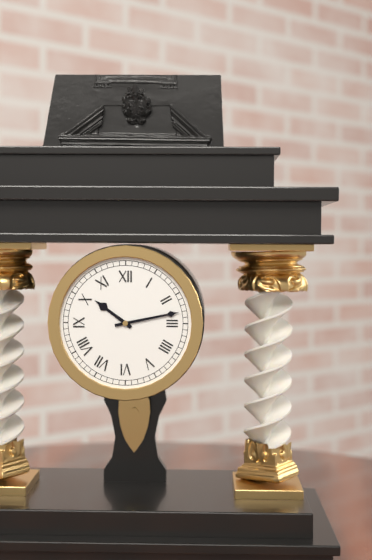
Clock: 10 h 13 min
